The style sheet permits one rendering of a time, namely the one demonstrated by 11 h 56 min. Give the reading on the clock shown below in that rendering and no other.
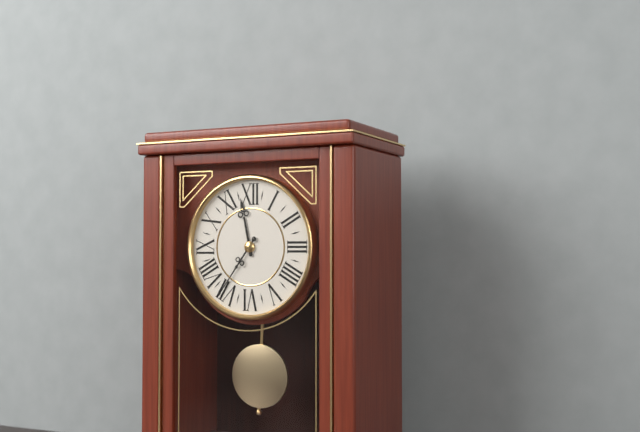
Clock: 11 h 36 min
